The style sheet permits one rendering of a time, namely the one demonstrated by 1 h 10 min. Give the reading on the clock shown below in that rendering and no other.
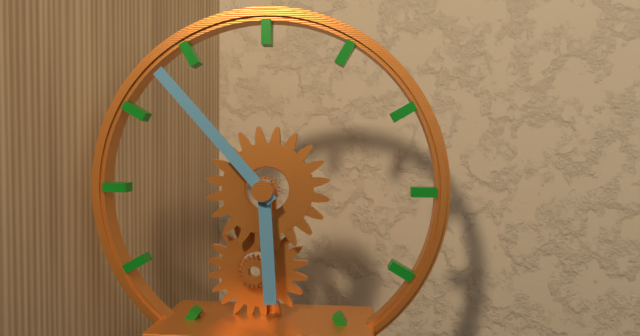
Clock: 5 h 53 min
